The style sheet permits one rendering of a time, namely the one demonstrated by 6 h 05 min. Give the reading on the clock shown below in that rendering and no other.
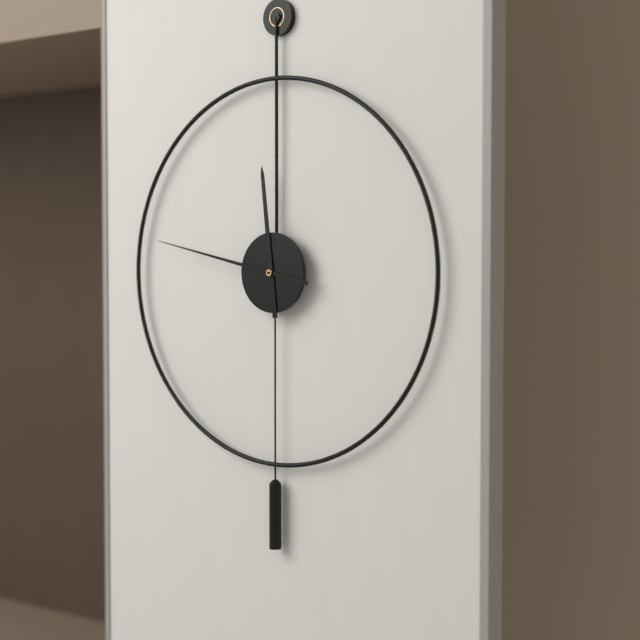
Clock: 11 h 47 min
